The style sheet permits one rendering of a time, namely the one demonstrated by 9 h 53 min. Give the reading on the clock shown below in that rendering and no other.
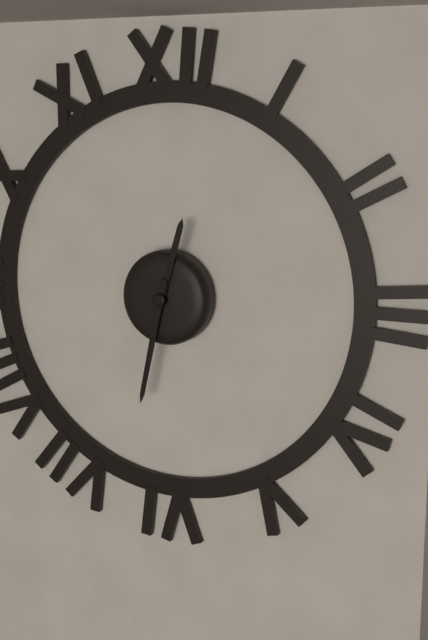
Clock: 12 h 32 min
